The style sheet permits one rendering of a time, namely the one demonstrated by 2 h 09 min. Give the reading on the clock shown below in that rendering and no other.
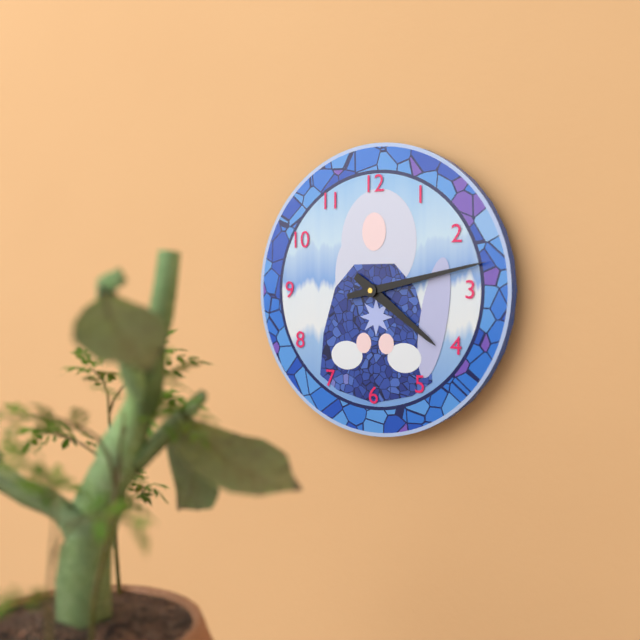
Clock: 4 h 13 min
